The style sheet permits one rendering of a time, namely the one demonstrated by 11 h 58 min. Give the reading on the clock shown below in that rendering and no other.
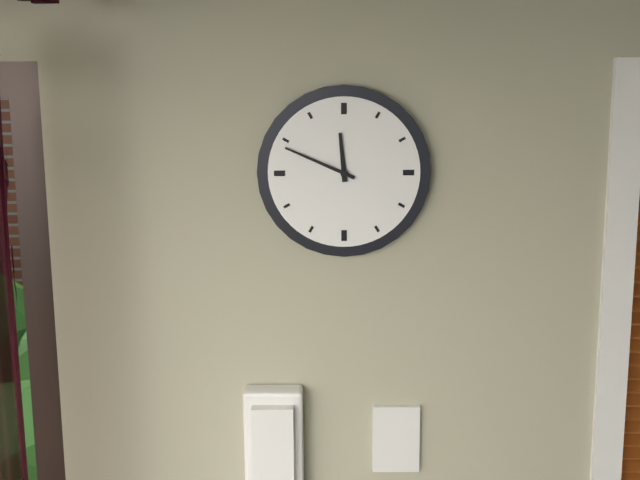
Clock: 11 h 49 min
